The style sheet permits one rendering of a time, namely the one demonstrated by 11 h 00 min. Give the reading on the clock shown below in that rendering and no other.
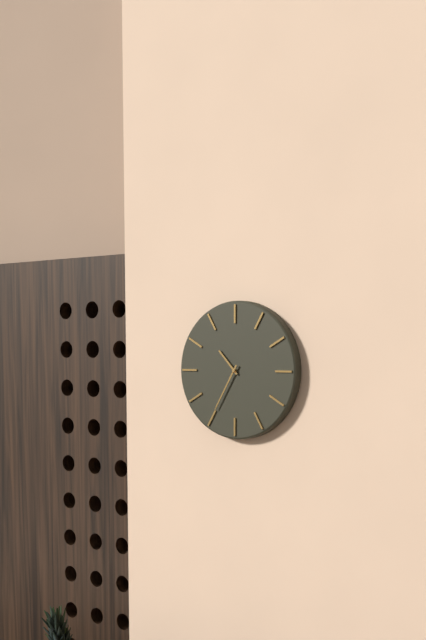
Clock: 10 h 35 min
